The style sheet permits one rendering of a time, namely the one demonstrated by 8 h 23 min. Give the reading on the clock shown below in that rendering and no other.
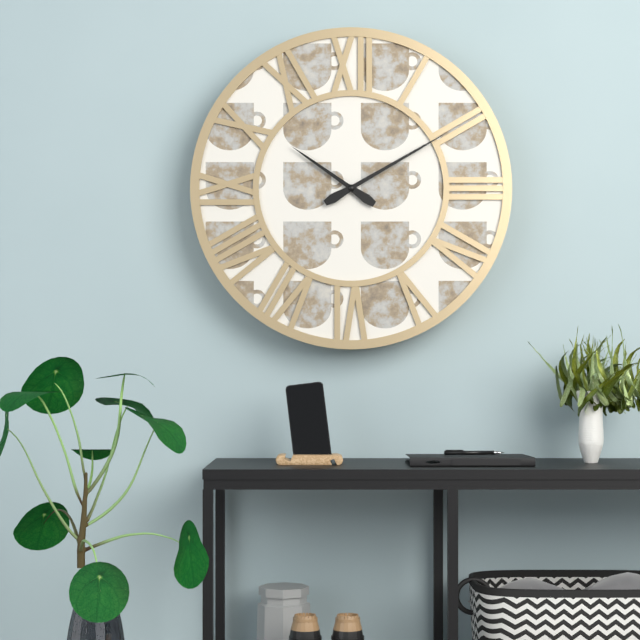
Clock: 10 h 10 min
